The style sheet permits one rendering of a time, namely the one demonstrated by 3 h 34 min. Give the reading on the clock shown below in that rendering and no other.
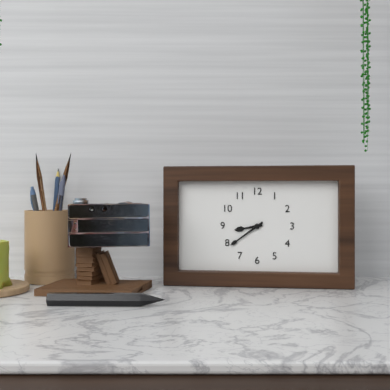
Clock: 8 h 39 min
